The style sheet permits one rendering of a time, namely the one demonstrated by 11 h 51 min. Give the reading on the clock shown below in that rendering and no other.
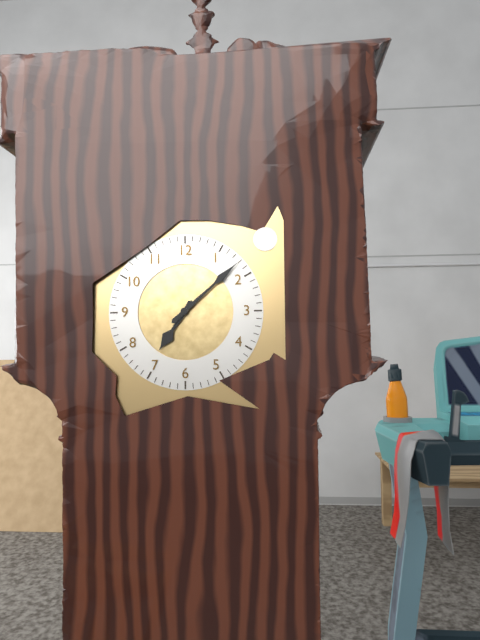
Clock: 7 h 08 min
